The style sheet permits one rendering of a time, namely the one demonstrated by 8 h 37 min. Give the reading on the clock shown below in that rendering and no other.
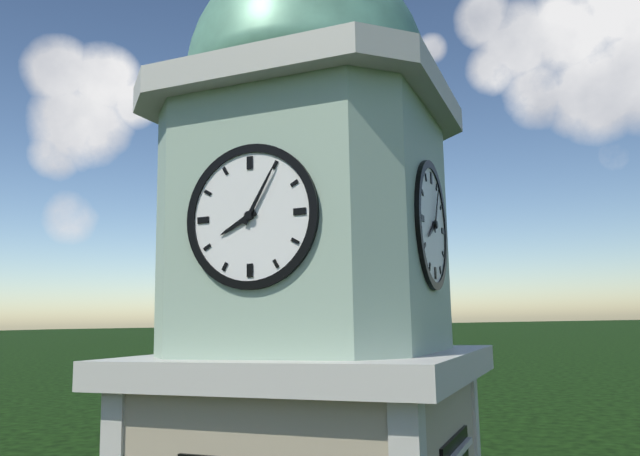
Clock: 8 h 05 min
